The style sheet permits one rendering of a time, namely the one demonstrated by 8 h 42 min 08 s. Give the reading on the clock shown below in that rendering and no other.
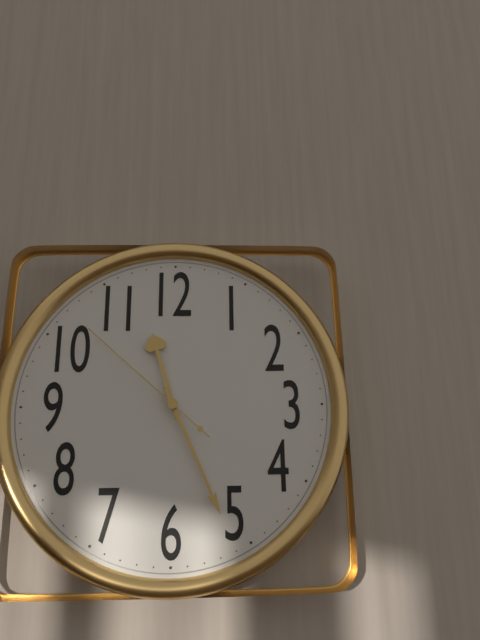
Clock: 11 h 26 min 52 s
